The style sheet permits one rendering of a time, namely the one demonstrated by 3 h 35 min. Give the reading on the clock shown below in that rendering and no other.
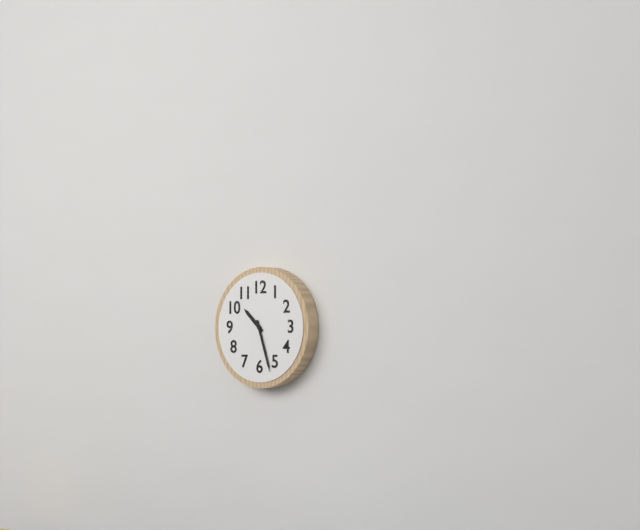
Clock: 10 h 27 min
